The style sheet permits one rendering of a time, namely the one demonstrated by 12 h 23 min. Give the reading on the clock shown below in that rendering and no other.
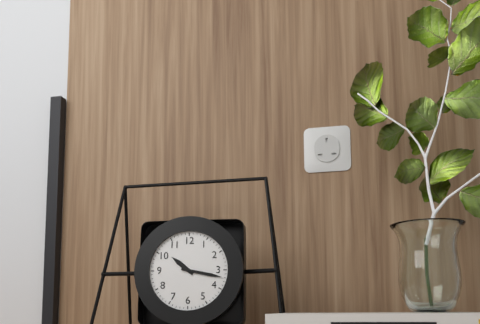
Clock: 10 h 17 min
